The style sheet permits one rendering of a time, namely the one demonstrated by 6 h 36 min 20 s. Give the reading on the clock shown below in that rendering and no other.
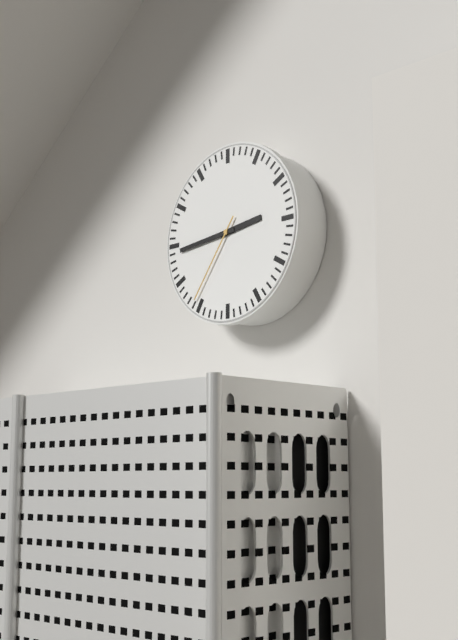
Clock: 2 h 44 min 36 s
